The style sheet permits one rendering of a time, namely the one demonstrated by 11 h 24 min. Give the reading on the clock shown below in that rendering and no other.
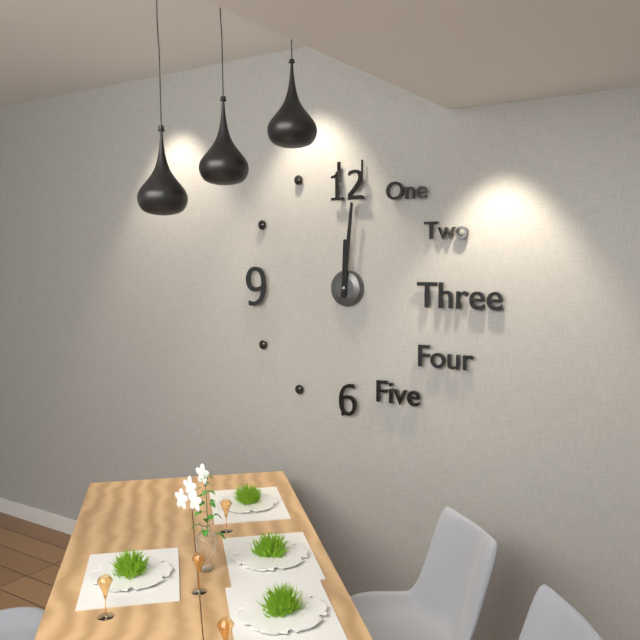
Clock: 12 h 01 min
